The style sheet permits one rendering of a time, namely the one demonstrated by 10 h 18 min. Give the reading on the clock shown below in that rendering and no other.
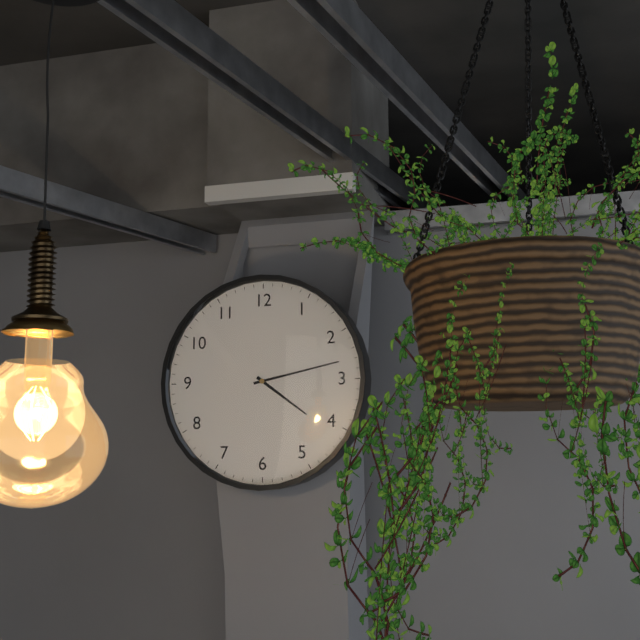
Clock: 4 h 13 min
